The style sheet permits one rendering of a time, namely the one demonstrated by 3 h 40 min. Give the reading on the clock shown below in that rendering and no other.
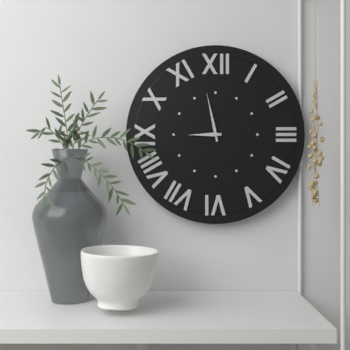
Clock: 8 h 58 min
